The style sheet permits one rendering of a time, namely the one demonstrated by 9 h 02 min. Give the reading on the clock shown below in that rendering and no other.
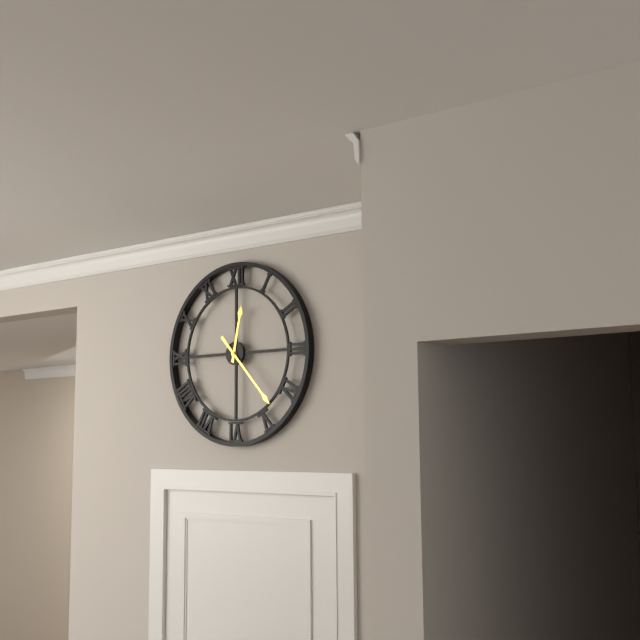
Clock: 12 h 23 min
